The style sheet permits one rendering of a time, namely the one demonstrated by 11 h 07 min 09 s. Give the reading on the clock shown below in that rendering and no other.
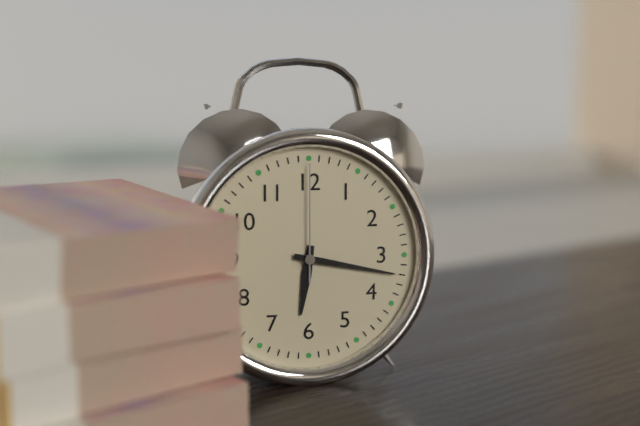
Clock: 6 h 17 min 00 s
